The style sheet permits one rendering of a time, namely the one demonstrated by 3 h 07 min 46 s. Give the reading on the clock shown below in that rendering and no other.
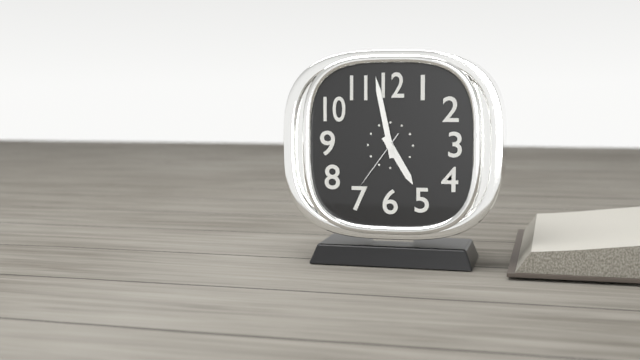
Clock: 4 h 58 min 36 s
